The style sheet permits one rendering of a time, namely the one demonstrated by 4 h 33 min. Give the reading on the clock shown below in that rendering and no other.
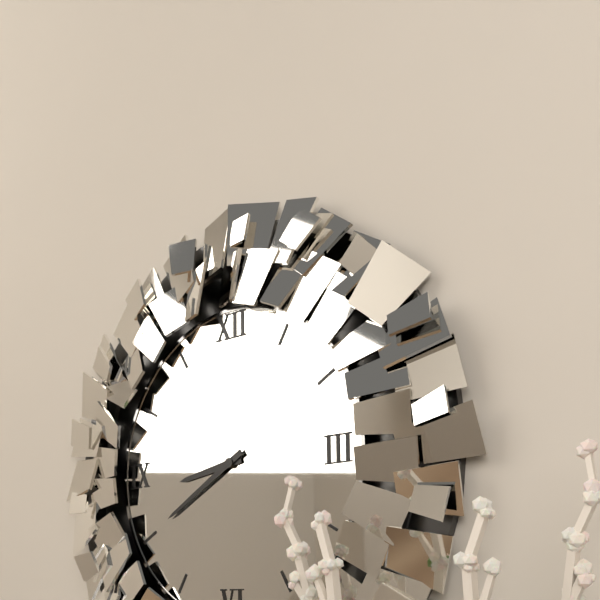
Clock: 8 h 40 min
